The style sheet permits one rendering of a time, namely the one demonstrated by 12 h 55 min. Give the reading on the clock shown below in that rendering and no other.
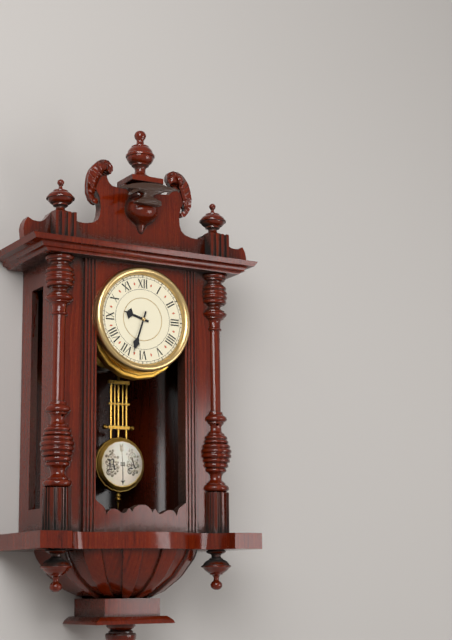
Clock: 9 h 33 min
